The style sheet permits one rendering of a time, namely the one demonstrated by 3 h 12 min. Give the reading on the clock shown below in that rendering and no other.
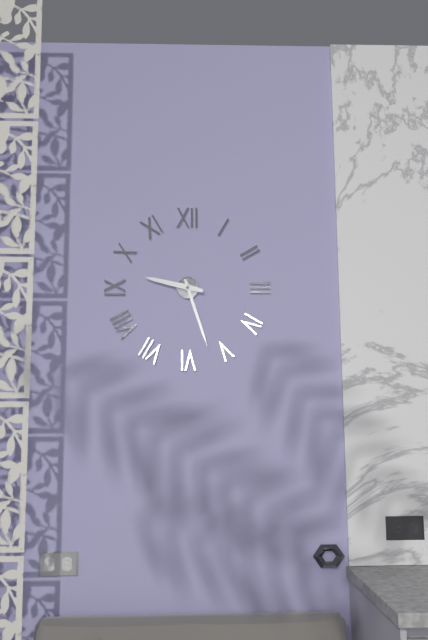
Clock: 9 h 27 min
